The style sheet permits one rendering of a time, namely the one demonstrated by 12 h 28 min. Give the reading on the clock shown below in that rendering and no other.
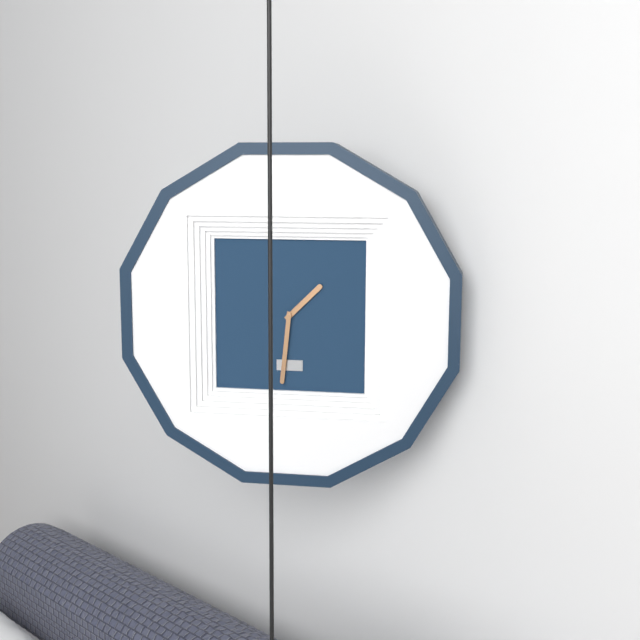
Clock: 1 h 31 min
